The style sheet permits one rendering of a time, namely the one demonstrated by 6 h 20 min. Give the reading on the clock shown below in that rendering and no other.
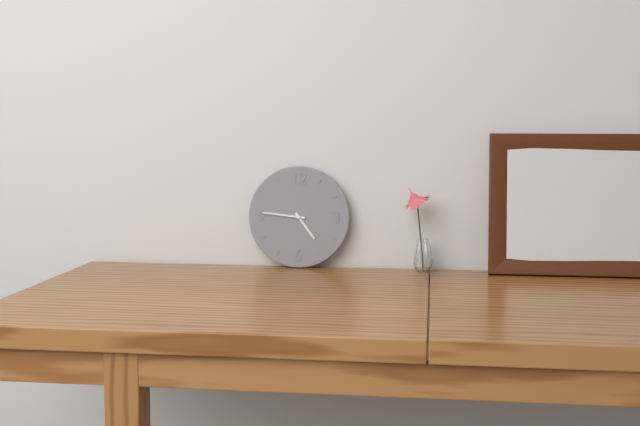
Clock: 4 h 46 min
